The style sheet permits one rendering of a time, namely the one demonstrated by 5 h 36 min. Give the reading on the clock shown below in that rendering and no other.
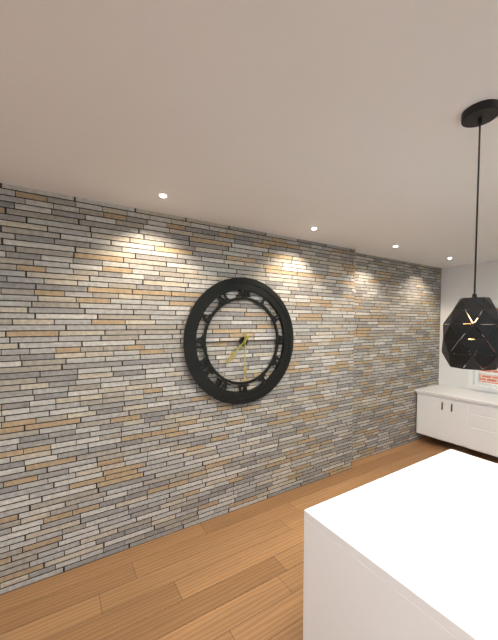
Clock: 7 h 30 min
